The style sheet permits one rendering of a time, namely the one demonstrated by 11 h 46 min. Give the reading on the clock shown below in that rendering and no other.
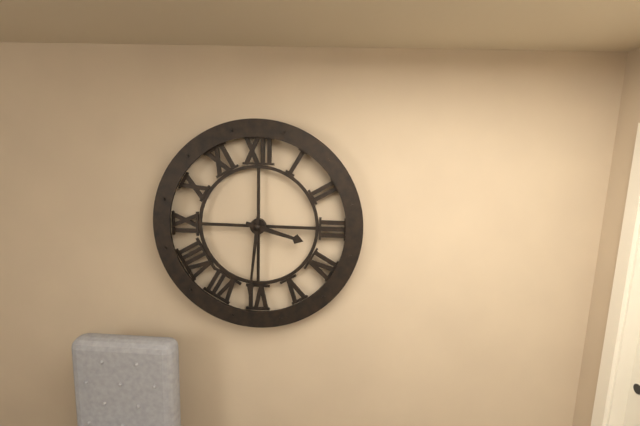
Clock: 3 h 31 min
